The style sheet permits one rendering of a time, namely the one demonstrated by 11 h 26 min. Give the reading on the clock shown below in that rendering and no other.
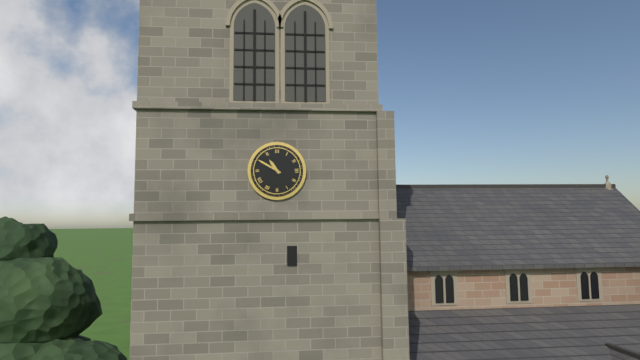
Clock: 10 h 50 min
